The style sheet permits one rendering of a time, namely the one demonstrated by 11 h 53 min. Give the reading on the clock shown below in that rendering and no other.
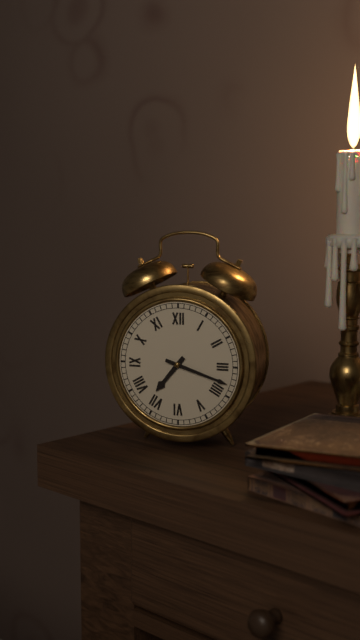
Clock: 7 h 18 min
